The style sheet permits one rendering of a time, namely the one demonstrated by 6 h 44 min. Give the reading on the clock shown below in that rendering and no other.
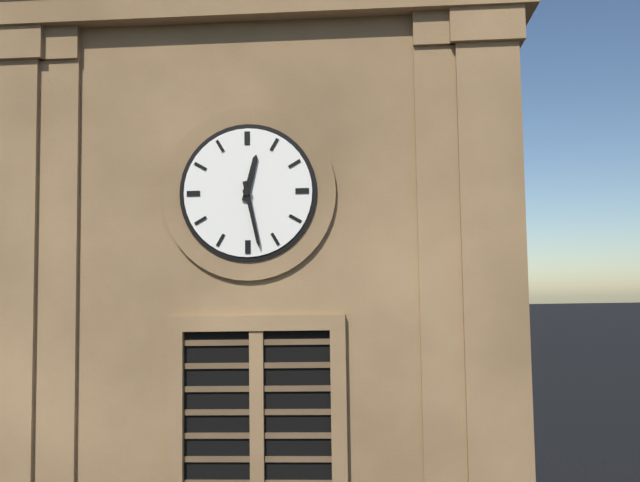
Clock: 12 h 28 min
